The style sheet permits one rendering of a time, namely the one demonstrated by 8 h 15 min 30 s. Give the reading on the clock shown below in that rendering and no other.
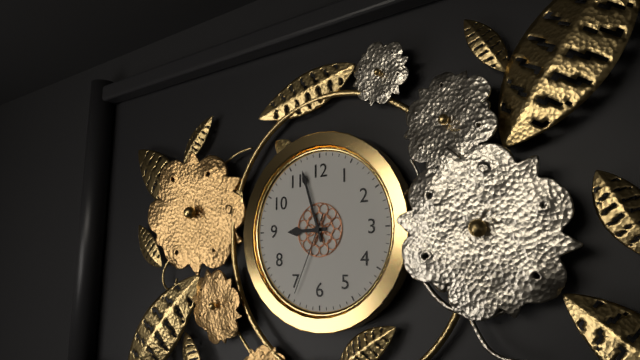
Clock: 8 h 57 min 34 s
